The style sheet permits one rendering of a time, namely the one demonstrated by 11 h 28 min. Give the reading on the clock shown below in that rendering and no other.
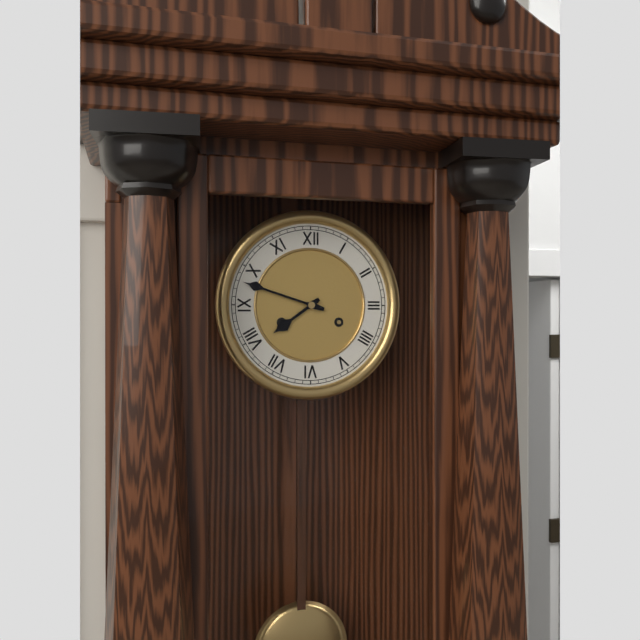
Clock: 7 h 48 min
